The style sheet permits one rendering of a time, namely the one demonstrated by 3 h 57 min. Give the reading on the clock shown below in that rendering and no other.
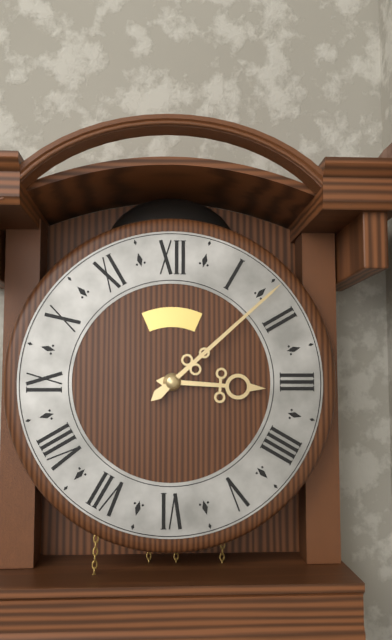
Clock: 3 h 08 min
